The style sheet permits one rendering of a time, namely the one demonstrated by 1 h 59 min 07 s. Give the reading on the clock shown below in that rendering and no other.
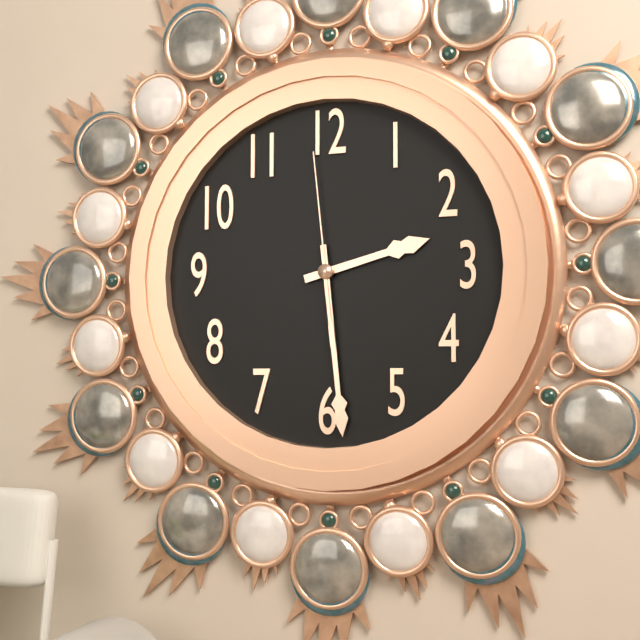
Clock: 2 h 29 min 59 s
